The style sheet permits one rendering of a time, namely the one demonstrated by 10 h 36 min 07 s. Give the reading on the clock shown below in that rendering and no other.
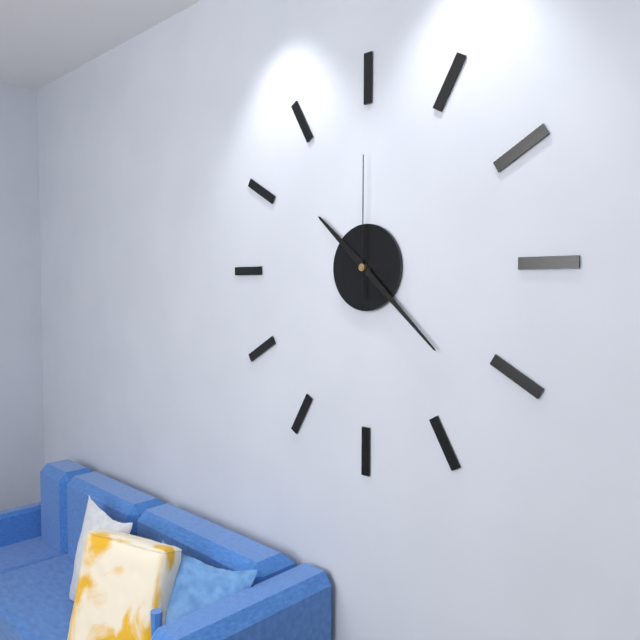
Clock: 10 h 22 min 00 s
